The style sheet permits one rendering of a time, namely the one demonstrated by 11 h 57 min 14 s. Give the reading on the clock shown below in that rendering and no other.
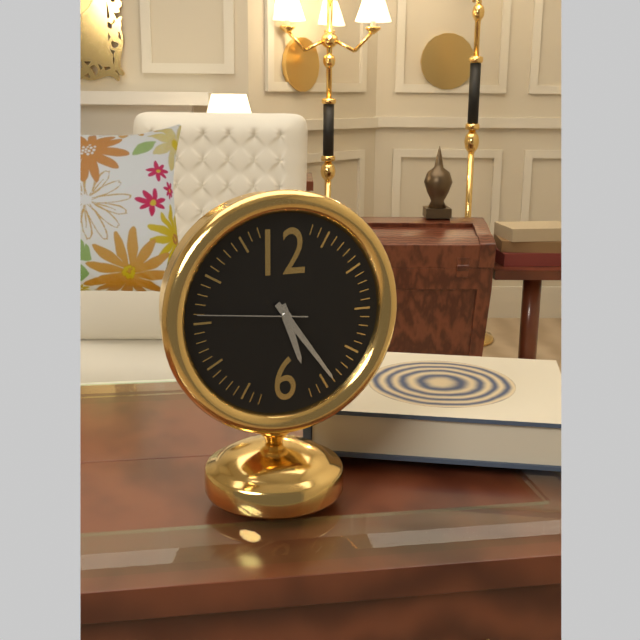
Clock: 5 h 24 min 46 s
